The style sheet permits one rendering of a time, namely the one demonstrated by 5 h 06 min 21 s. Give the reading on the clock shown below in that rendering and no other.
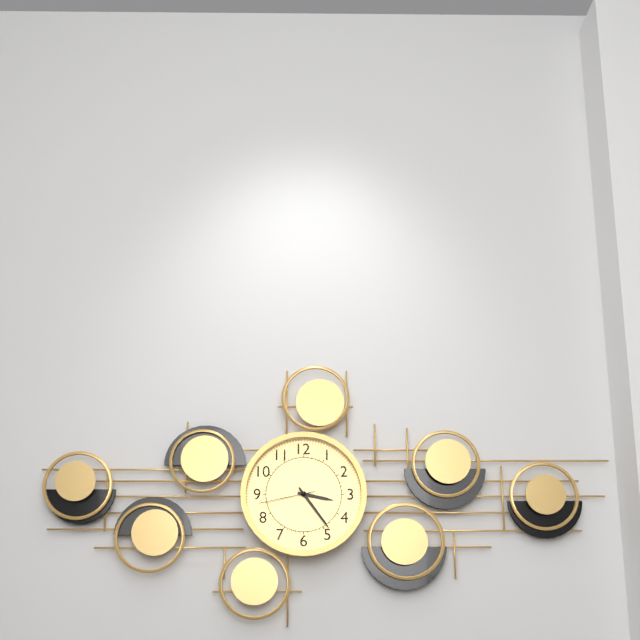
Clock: 3 h 24 min 43 s
